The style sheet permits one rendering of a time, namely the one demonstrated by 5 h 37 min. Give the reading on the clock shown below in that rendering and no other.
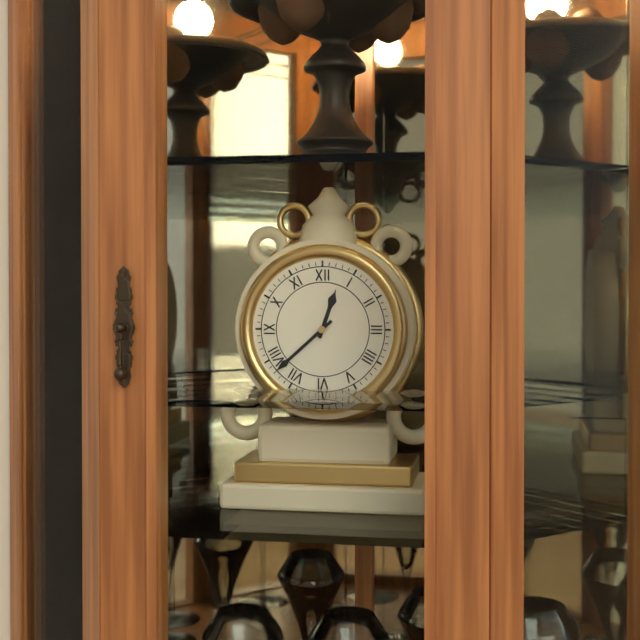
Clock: 12 h 38 min
